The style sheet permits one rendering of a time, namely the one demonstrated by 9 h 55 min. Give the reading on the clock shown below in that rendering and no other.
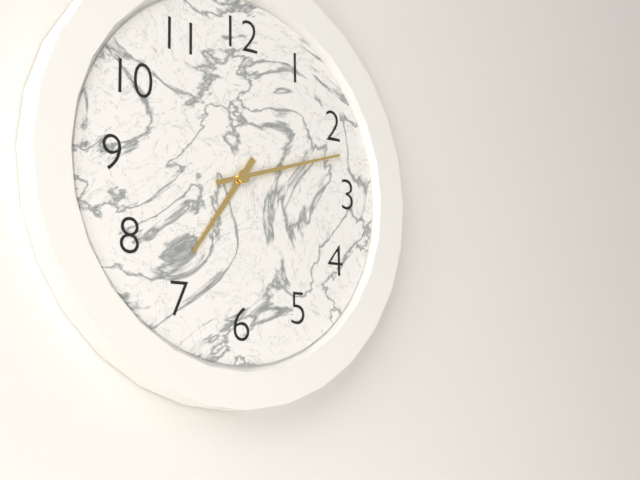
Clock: 7 h 12 min
